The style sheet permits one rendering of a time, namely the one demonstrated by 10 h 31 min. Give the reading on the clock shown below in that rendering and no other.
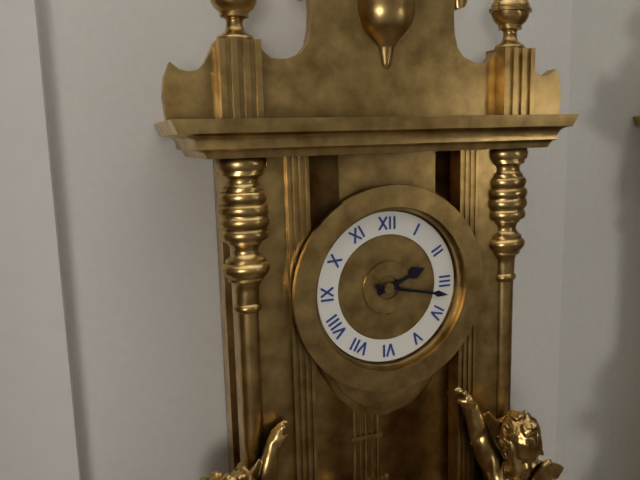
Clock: 2 h 17 min
